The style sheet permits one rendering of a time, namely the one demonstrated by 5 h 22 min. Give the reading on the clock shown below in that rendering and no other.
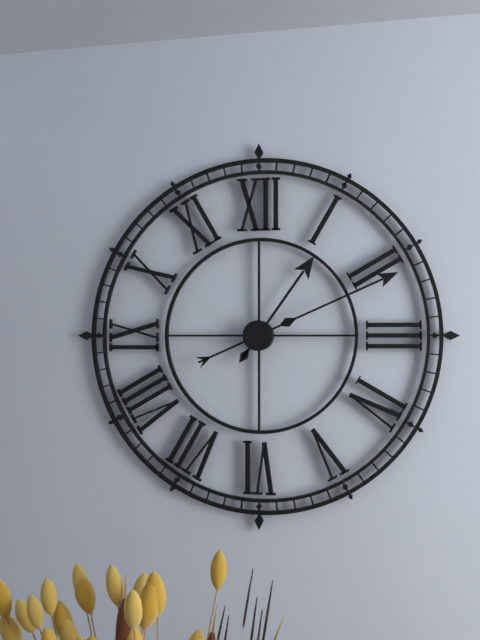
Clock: 1 h 11 min
